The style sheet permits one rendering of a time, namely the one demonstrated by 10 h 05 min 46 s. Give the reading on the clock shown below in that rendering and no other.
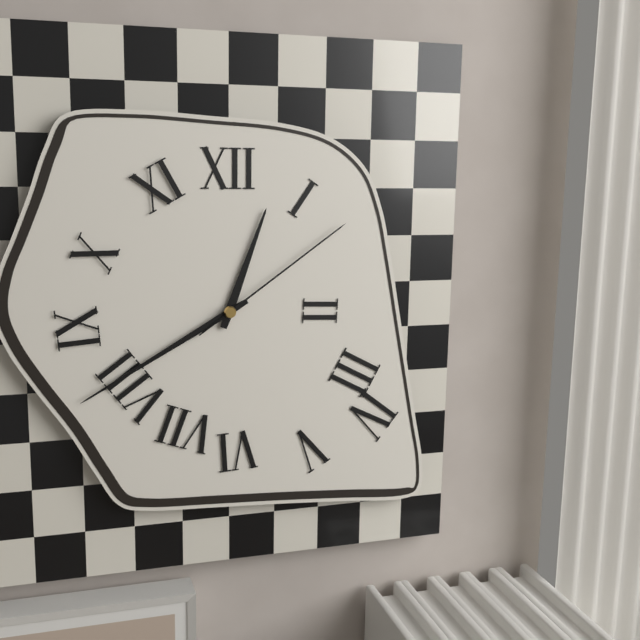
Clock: 12 h 40 min 09 s
